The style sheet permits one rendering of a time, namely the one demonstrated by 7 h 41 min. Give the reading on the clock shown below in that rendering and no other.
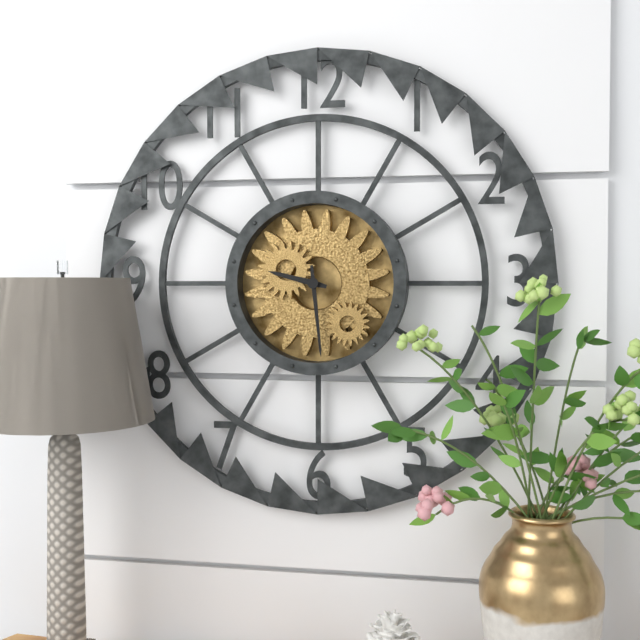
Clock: 9 h 29 min
